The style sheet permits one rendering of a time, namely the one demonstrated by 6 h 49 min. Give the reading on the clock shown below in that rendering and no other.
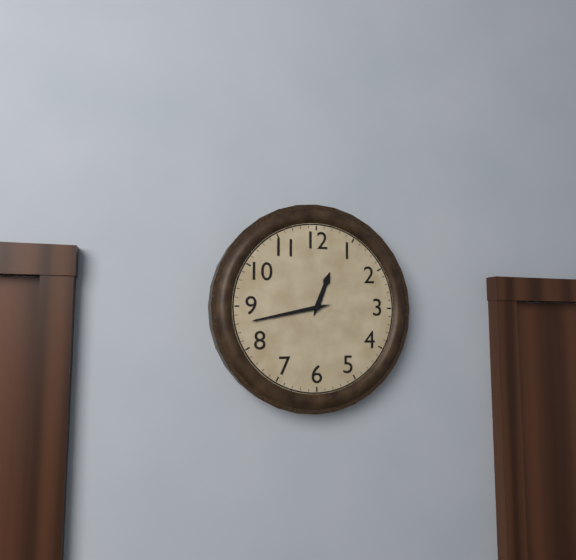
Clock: 12 h 43 min
